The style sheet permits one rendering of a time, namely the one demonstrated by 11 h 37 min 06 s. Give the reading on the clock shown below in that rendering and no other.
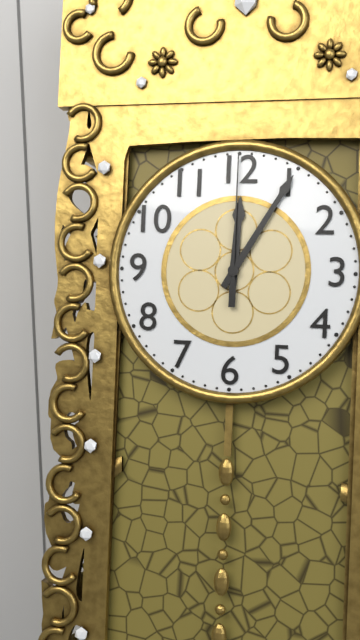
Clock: 12 h 05 min 00 s
